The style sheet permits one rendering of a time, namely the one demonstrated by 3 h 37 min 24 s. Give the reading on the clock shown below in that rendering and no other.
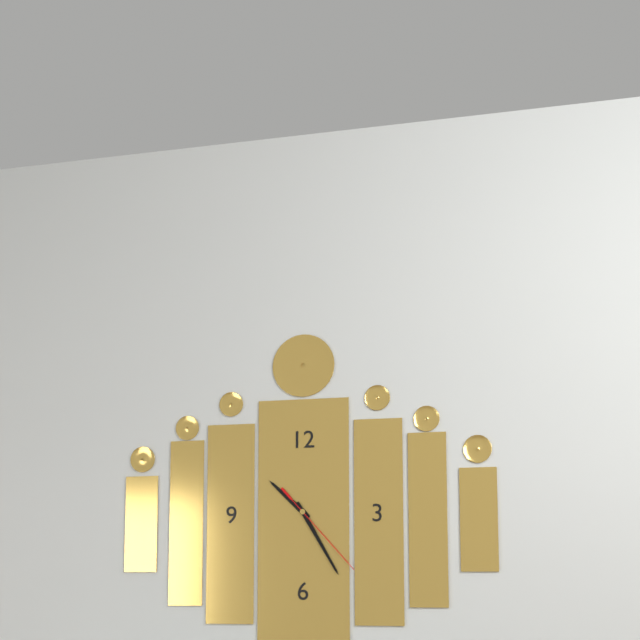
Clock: 10 h 25 min 23 s
